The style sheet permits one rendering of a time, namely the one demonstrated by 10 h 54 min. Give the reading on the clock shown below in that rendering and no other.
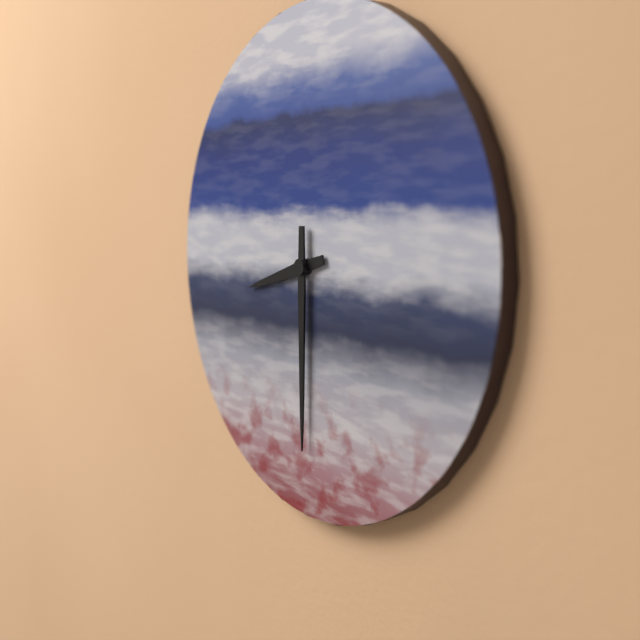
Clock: 8 h 30 min
